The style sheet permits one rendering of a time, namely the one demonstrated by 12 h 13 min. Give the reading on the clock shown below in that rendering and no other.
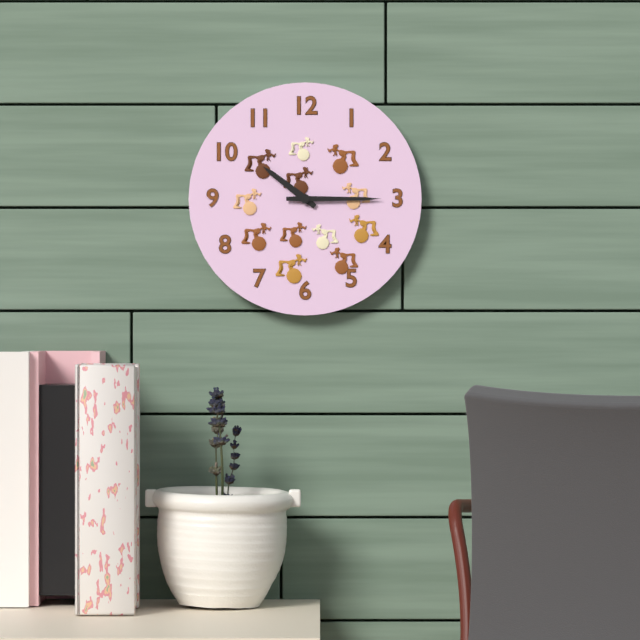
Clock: 10 h 15 min
